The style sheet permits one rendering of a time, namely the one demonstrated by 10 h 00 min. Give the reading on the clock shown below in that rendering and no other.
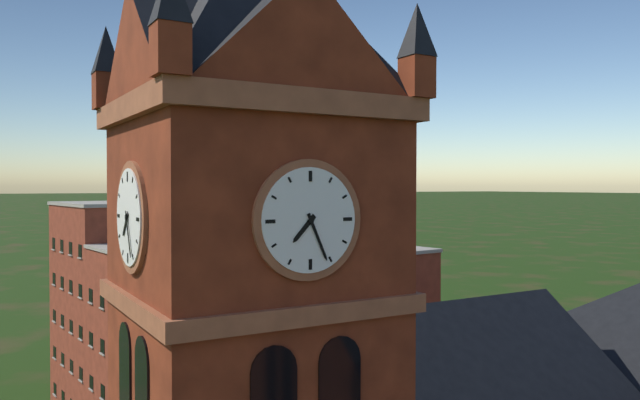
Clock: 7 h 26 min
